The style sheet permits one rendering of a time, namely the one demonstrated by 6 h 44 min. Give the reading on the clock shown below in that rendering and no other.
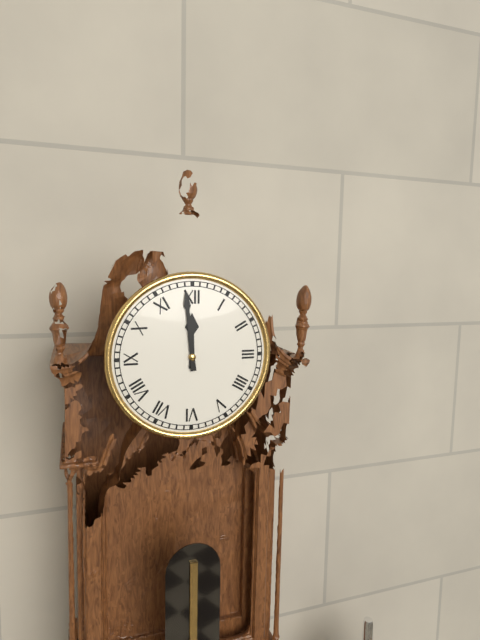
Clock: 11 h 59 min
